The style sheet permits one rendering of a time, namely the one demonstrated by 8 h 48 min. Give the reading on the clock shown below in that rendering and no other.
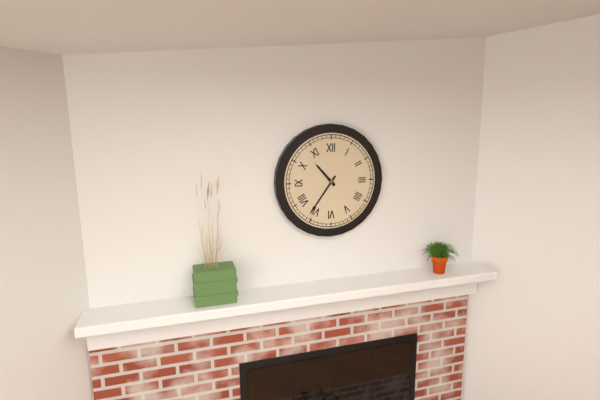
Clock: 10 h 36 min
